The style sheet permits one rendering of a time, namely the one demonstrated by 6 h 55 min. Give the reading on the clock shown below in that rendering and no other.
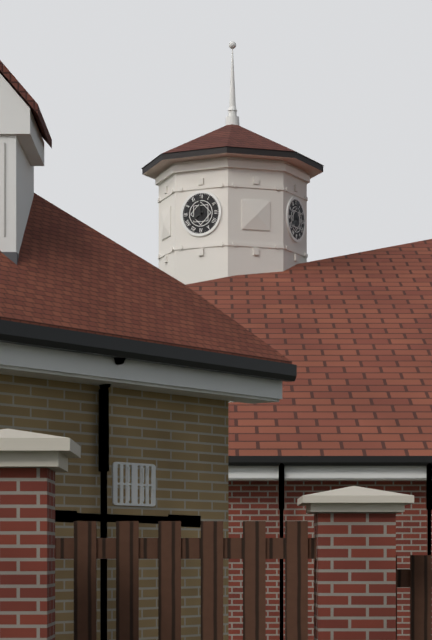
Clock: 7 h 59 min
